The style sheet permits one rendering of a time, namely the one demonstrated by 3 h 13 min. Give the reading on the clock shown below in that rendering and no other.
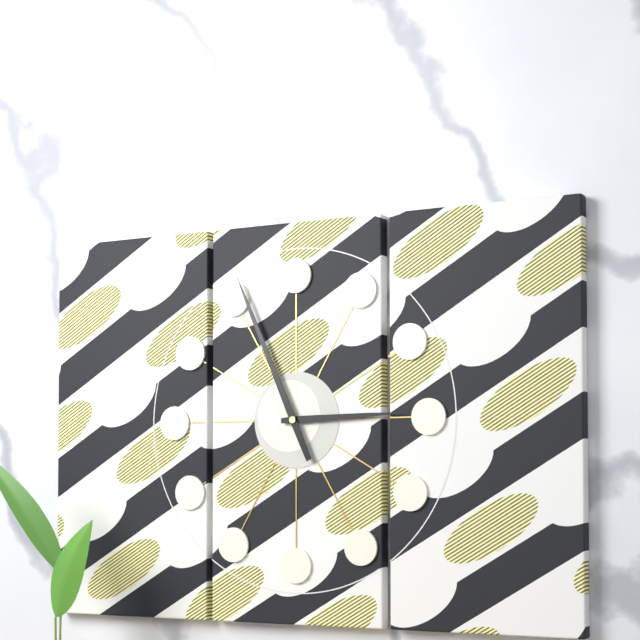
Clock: 2 h 56 min
